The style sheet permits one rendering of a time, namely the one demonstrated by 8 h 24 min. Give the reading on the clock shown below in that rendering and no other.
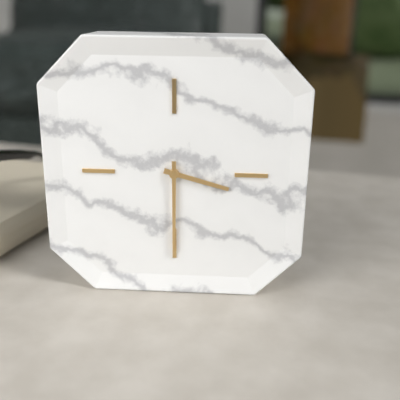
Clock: 3 h 30 min
